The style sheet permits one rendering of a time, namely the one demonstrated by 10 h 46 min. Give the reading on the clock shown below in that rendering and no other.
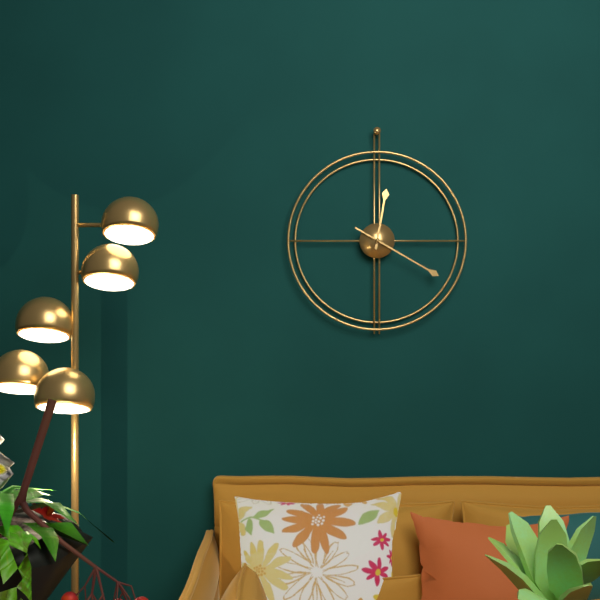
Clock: 12 h 20 min
